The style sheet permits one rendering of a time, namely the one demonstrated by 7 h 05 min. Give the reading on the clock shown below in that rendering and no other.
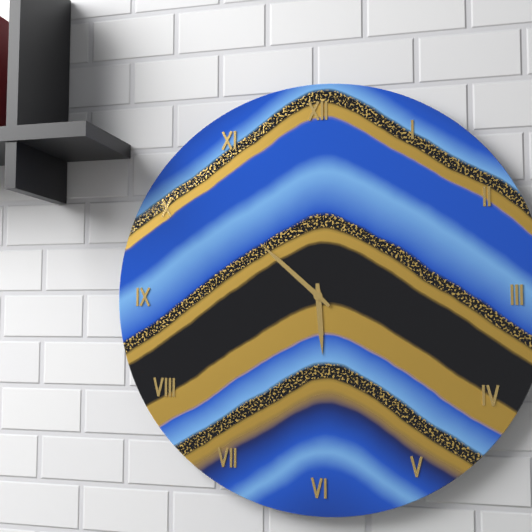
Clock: 5 h 52 min
